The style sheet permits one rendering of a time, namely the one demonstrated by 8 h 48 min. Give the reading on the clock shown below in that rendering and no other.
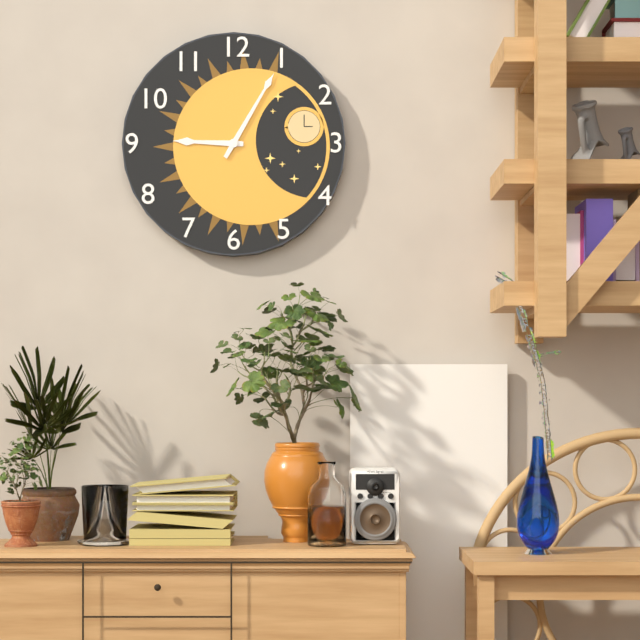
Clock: 9 h 05 min
